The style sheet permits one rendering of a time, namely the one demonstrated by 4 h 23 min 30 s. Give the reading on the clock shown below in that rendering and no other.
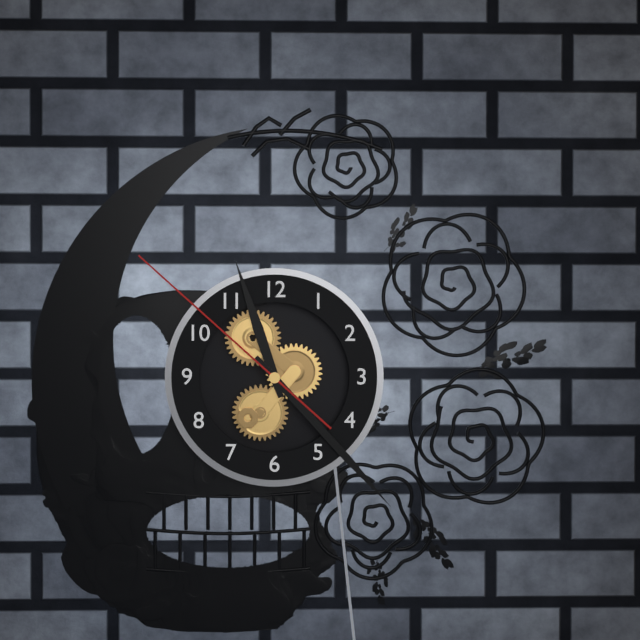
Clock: 11 h 23 min 52 s
